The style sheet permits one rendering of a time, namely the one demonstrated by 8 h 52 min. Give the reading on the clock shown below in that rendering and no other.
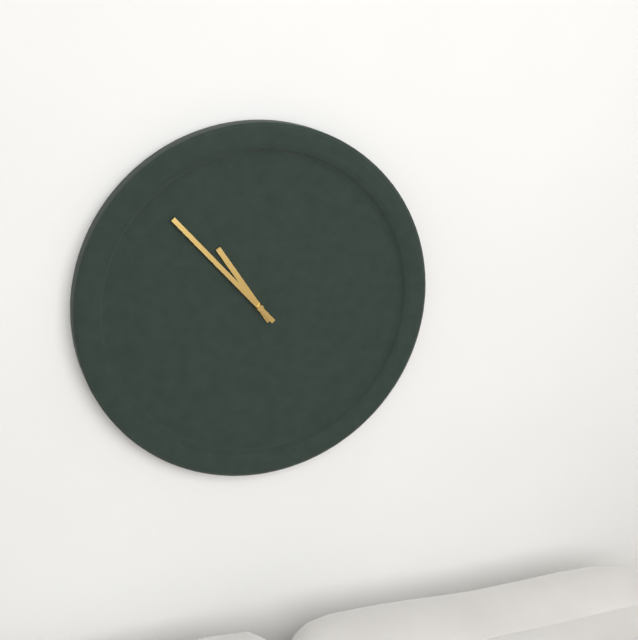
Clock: 10 h 53 min
